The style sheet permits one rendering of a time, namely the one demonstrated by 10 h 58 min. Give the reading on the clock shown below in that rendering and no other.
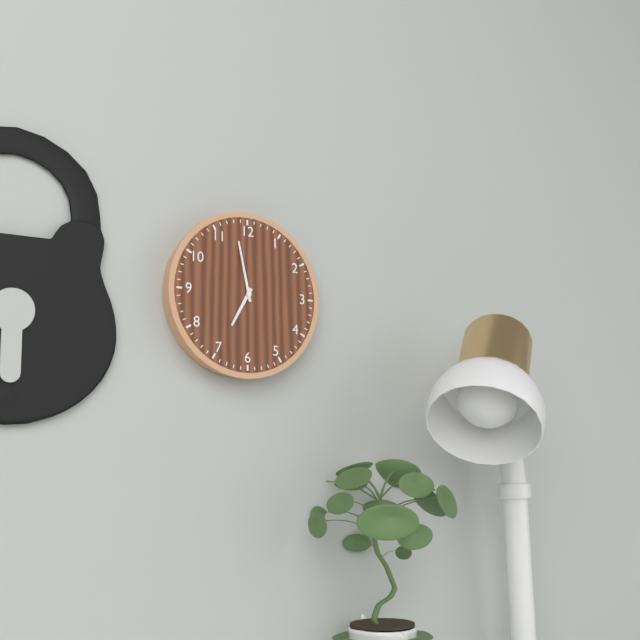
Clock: 6 h 58 min
